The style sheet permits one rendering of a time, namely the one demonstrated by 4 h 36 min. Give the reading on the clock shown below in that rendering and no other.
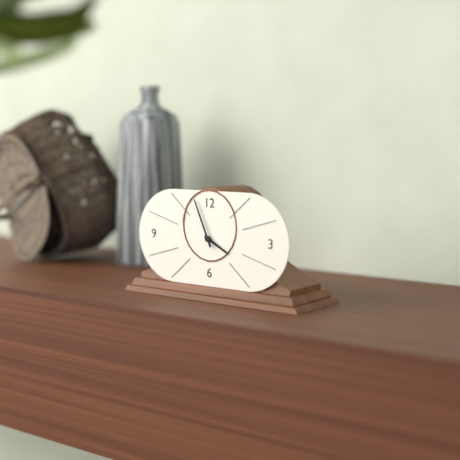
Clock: 3 h 56 min
